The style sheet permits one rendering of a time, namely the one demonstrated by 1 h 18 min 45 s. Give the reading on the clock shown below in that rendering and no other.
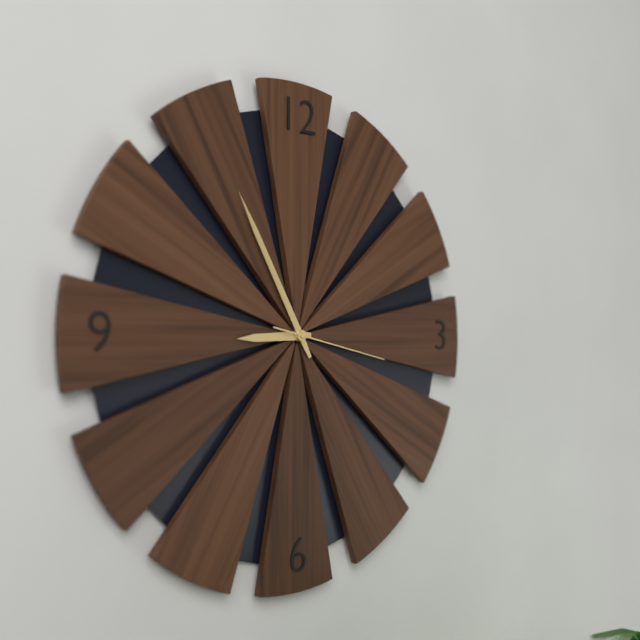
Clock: 8 h 55 min 17 s
